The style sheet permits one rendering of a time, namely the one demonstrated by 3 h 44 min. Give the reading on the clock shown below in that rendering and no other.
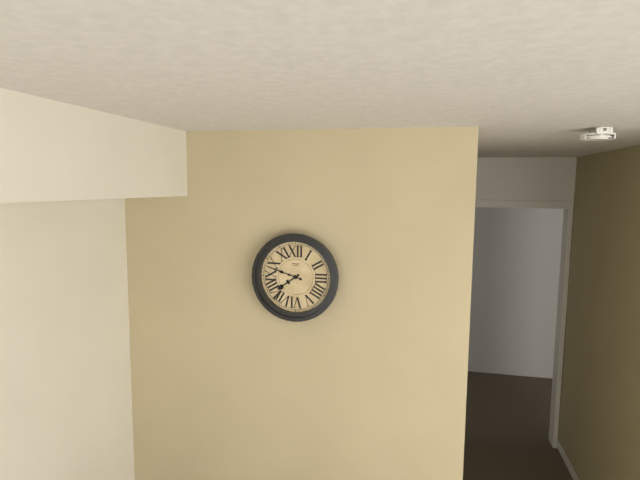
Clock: 7 h 48 min
